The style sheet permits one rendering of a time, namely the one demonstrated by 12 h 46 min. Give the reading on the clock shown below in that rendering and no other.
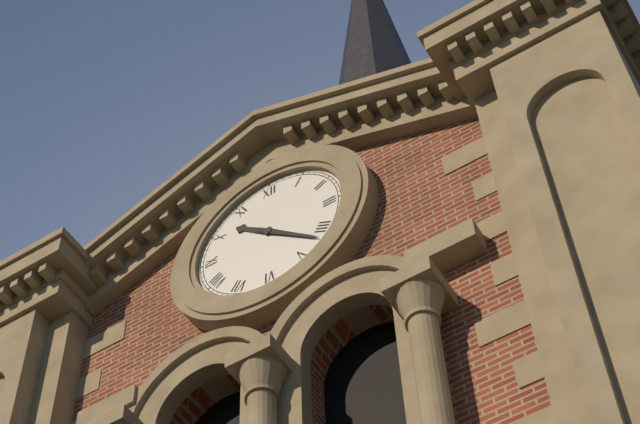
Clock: 10 h 22 min
